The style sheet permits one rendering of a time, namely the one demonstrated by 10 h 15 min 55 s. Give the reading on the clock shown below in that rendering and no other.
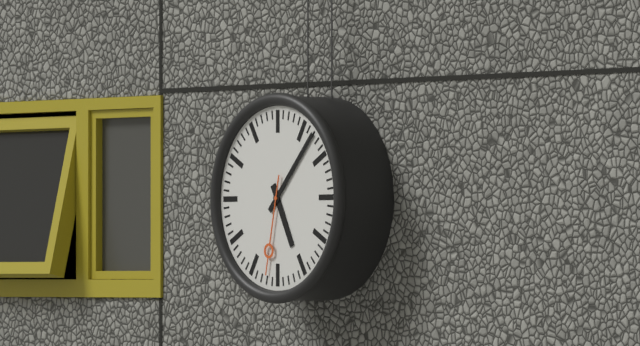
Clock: 5 h 07 min 32 s
